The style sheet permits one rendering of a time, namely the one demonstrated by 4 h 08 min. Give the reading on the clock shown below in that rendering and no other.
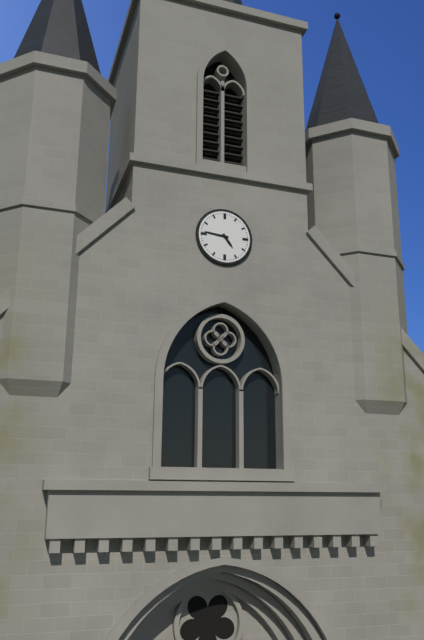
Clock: 4 h 46 min
